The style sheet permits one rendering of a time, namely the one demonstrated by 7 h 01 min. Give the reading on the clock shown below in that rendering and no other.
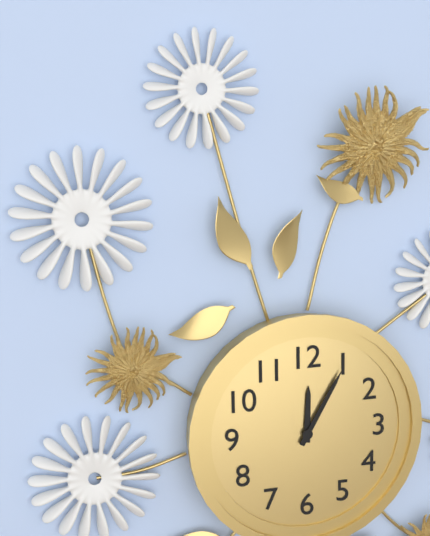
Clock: 12 h 05 min
